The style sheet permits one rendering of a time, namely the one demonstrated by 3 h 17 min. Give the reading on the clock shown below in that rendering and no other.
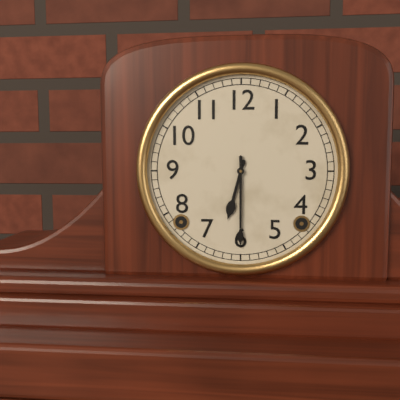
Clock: 6 h 30 min
